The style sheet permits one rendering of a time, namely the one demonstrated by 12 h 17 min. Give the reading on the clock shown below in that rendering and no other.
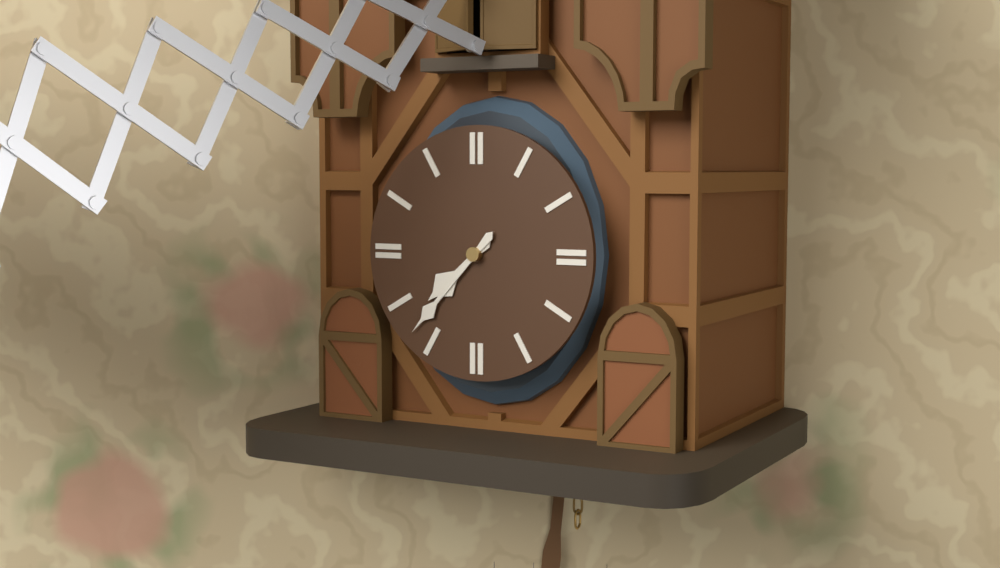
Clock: 7 h 37 min
